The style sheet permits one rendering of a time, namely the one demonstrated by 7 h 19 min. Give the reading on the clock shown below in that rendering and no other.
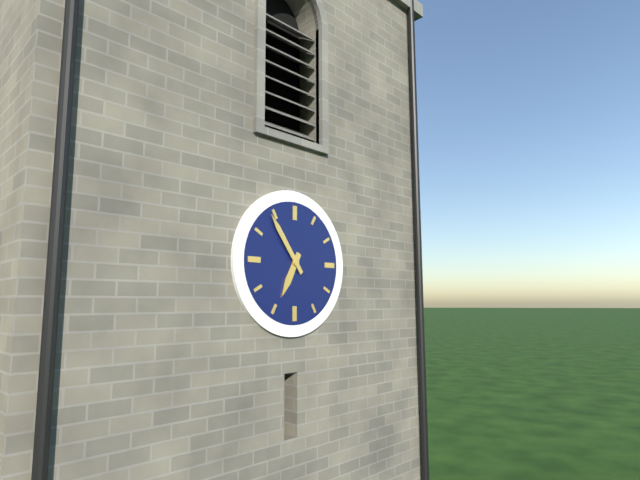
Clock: 6 h 54 min
